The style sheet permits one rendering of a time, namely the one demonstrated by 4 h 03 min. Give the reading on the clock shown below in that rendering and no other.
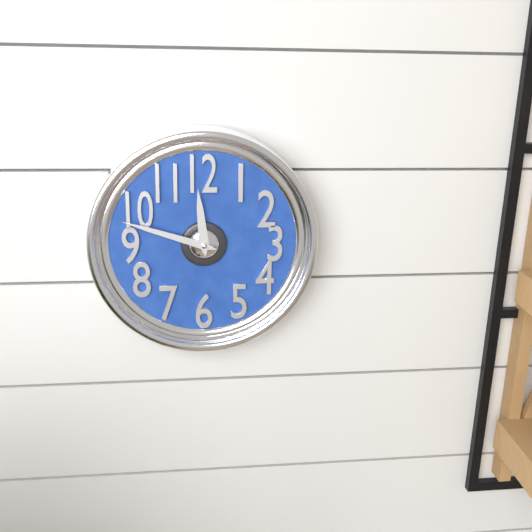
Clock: 11 h 48 min
